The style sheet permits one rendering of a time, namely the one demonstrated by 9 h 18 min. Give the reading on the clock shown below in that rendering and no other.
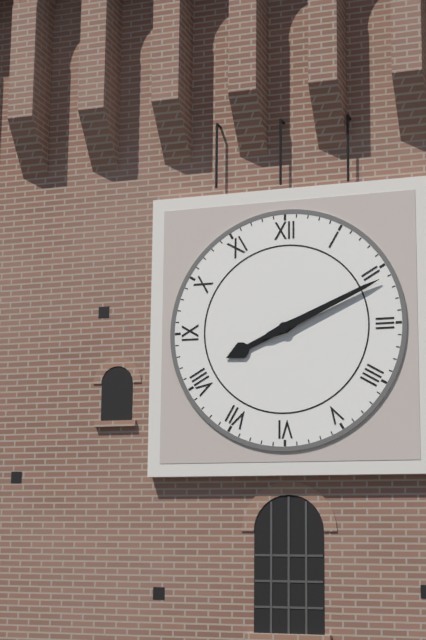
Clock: 8 h 11 min
